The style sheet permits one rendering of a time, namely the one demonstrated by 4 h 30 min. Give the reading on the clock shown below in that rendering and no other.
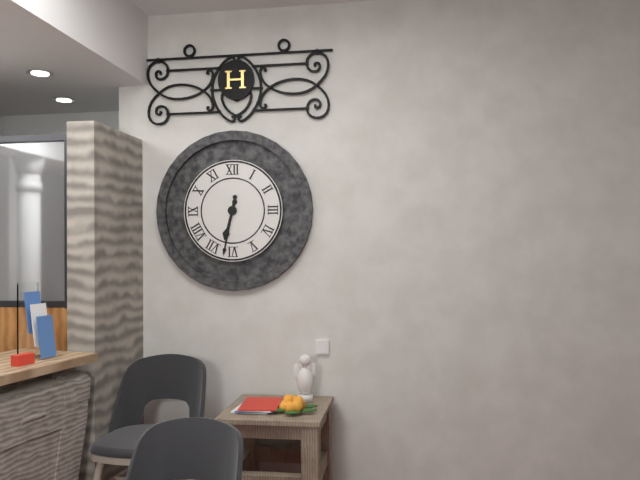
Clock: 6 h 32 min
